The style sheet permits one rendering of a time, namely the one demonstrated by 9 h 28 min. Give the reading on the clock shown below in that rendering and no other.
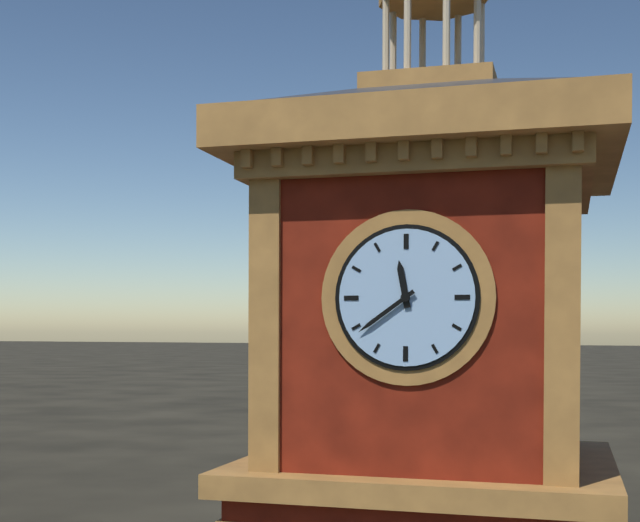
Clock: 11 h 39 min
